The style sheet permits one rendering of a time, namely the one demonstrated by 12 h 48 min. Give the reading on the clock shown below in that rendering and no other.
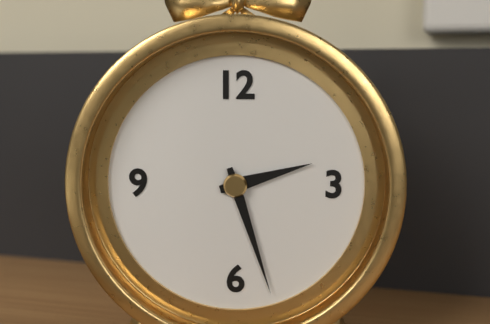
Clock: 2 h 27 min
